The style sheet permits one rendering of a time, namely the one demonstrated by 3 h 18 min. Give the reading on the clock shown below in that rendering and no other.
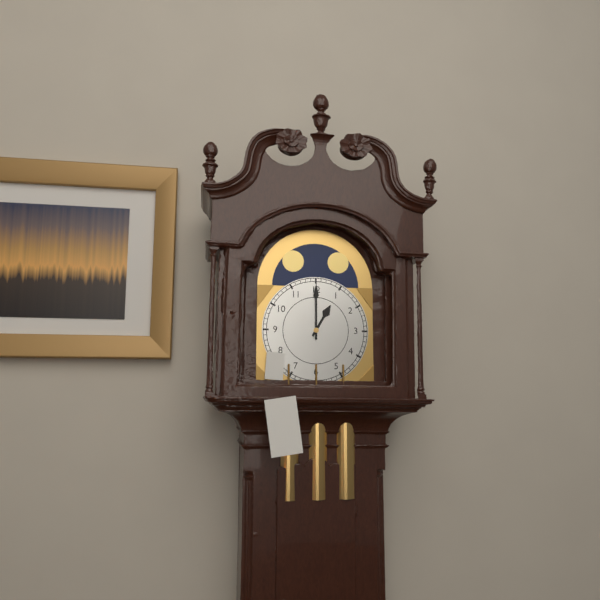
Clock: 1 h 00 min
